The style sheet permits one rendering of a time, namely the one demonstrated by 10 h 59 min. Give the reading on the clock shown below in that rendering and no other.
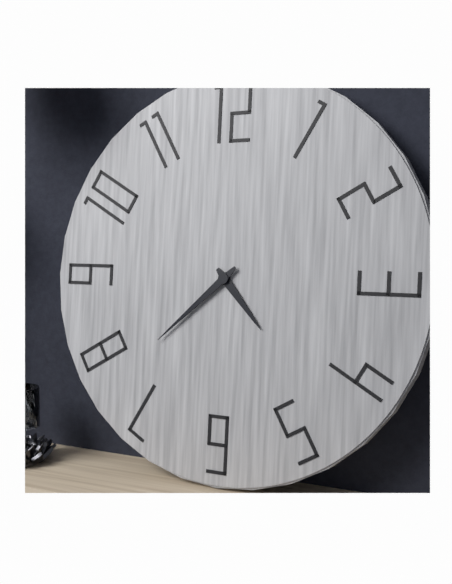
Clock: 4 h 38 min
